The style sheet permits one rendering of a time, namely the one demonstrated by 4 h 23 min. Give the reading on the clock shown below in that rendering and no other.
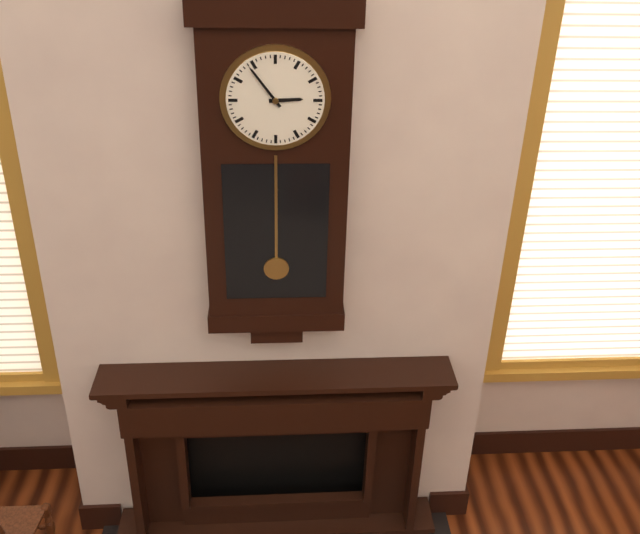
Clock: 2 h 54 min
